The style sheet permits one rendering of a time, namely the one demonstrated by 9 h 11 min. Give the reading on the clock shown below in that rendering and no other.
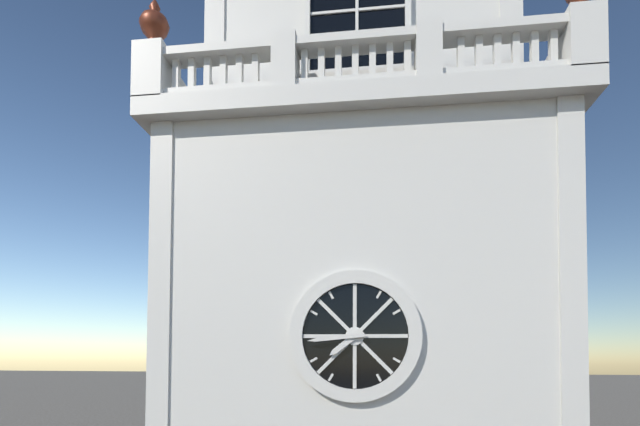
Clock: 7 h 44 min
